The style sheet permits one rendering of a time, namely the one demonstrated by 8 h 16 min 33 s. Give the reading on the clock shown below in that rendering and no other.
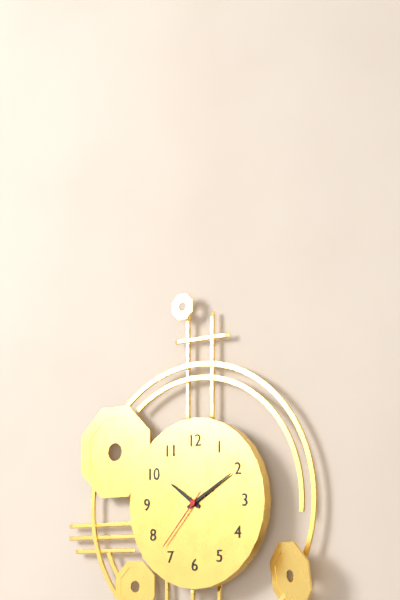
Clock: 10 h 10 min 37 s
